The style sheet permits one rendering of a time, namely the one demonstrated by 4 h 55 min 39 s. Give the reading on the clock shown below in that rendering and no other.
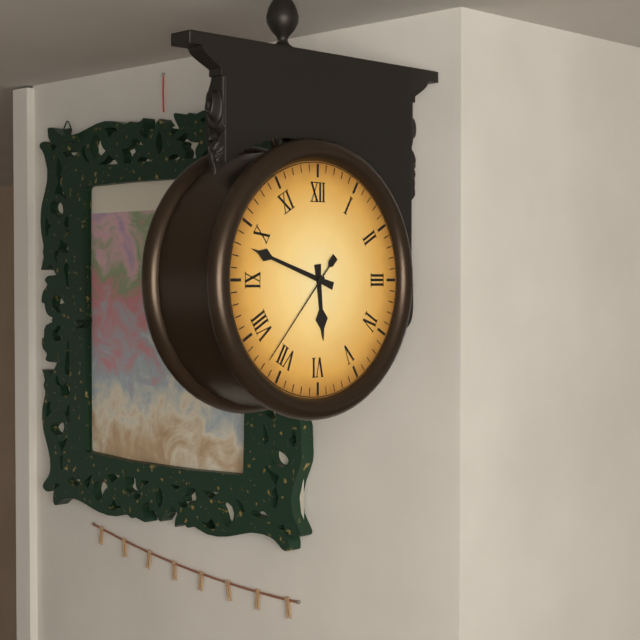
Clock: 5 h 48 min 37 s
